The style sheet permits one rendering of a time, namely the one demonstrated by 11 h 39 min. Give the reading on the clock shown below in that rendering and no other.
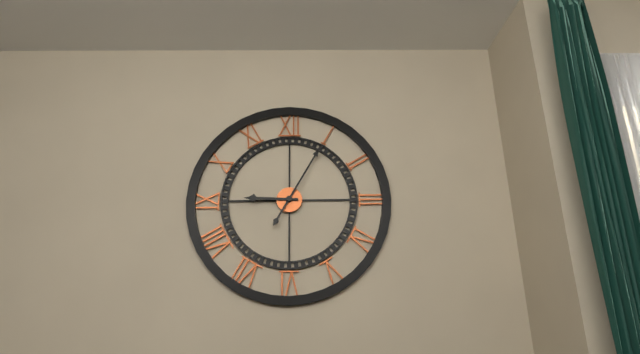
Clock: 9 h 05 min
